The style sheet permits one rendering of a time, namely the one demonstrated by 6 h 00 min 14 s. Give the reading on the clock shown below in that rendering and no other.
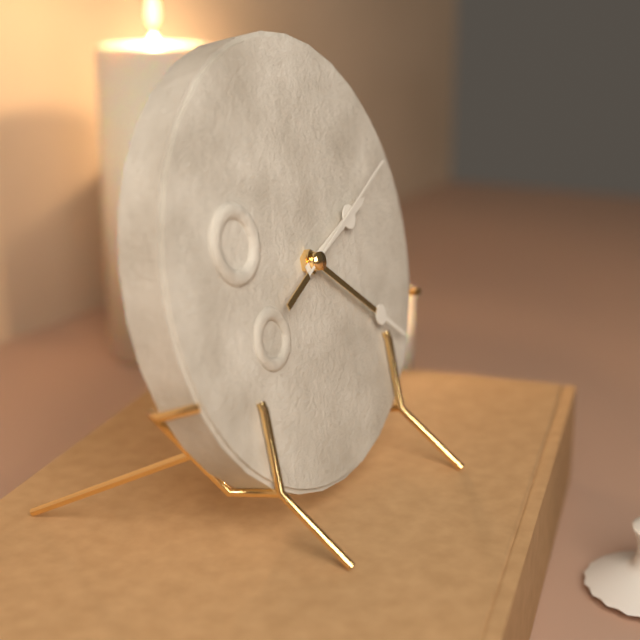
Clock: 2 h 21 min 11 s
